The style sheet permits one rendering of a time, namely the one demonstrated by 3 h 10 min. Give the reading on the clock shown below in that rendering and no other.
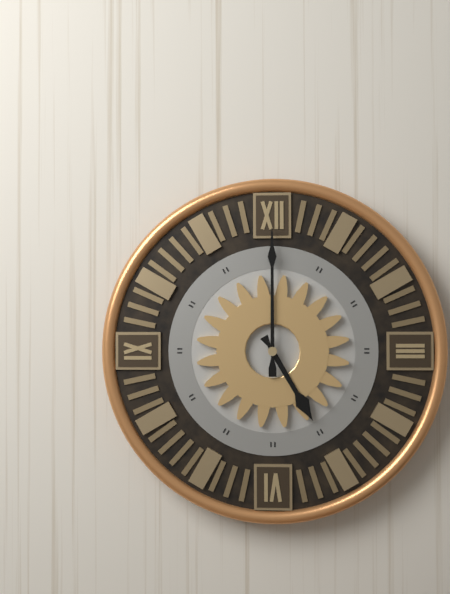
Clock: 5 h 00 min
